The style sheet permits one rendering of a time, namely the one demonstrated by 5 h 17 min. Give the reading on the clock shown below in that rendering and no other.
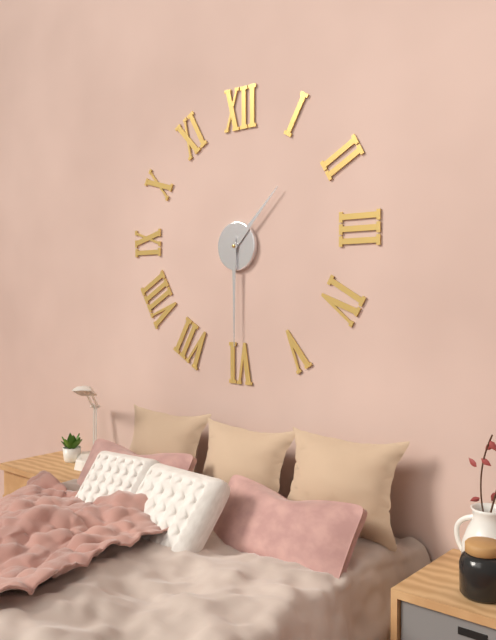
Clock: 1 h 30 min
